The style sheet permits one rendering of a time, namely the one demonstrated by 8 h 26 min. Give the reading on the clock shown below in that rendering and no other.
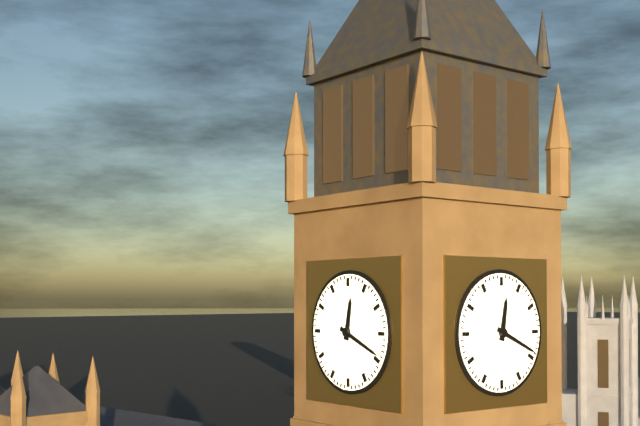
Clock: 12 h 19 min
